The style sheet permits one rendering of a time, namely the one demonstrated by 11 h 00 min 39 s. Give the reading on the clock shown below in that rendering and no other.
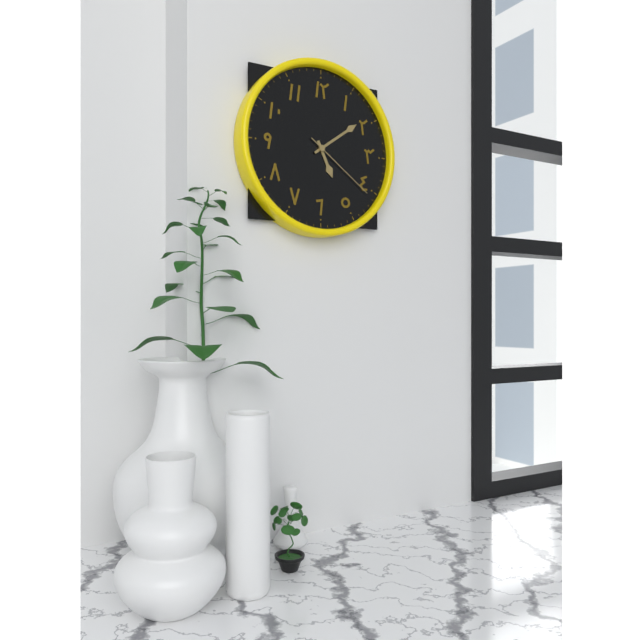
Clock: 5 h 09 min 21 s
